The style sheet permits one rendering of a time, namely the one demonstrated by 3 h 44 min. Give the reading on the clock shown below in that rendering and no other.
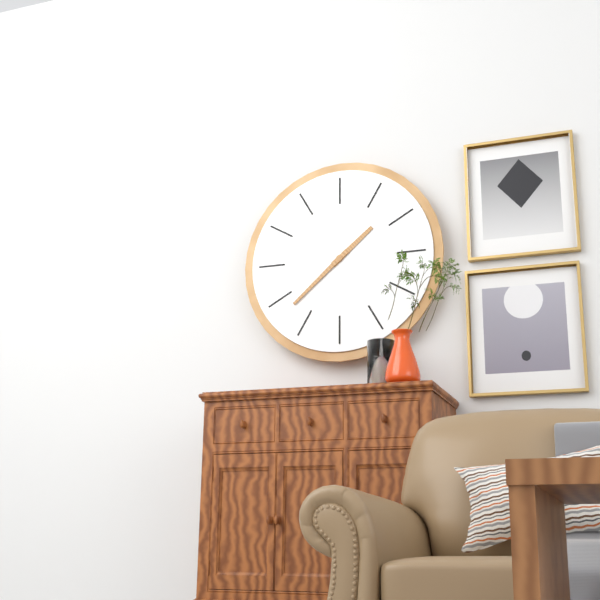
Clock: 1 h 38 min
